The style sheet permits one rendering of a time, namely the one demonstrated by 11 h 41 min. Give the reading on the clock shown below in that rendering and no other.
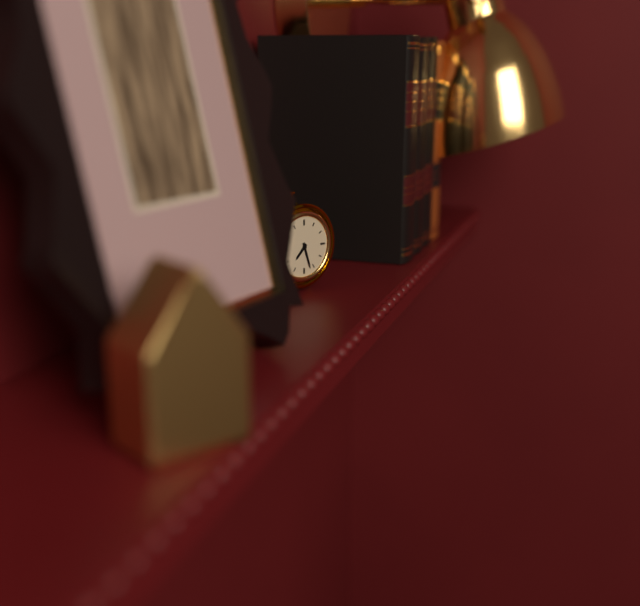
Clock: 7 h 27 min
